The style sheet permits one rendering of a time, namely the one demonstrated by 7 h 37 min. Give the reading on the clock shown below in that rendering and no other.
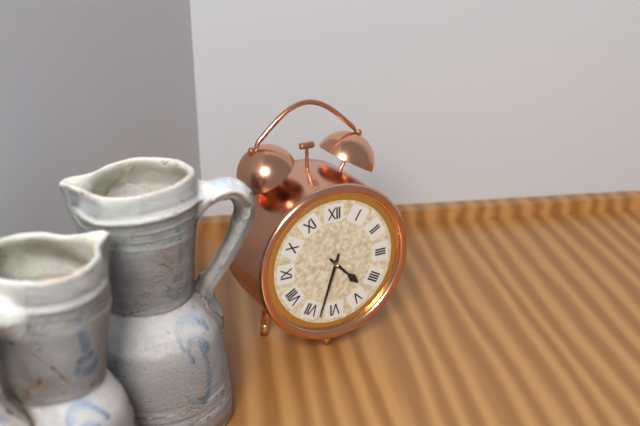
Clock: 4 h 33 min
